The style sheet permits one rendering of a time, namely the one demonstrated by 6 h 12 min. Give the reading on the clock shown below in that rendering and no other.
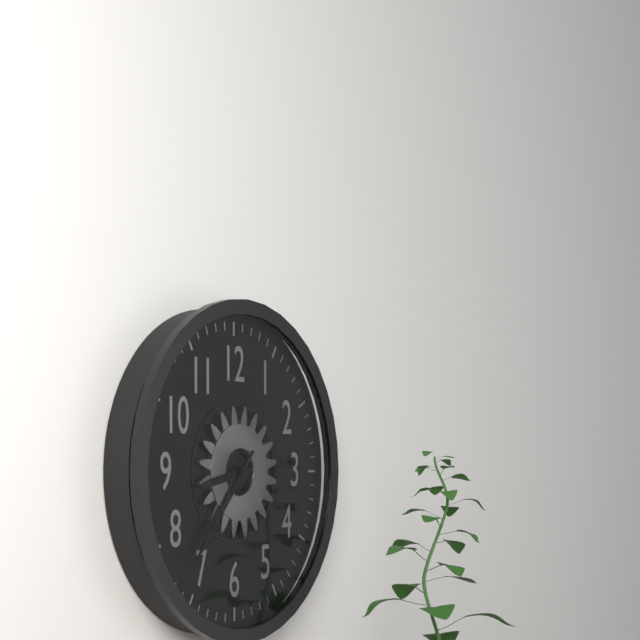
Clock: 8 h 37 min
